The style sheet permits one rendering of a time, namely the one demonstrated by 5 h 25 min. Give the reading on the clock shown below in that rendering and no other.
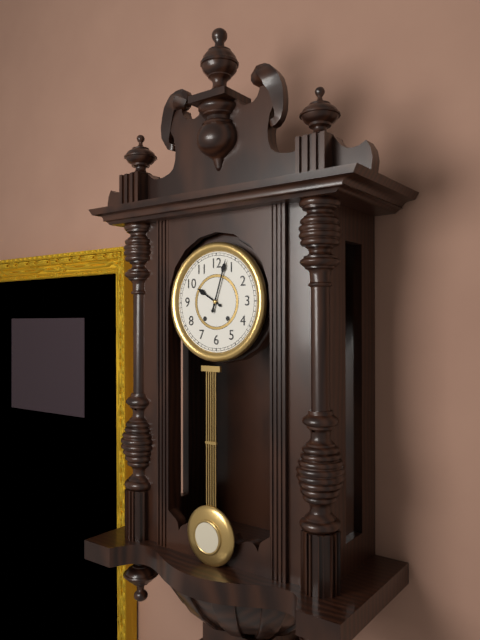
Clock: 10 h 03 min
